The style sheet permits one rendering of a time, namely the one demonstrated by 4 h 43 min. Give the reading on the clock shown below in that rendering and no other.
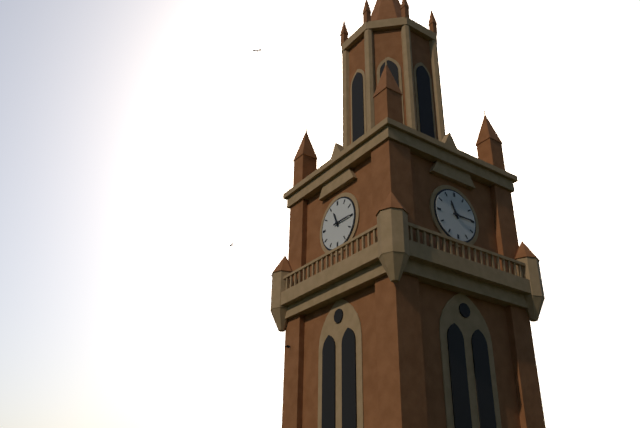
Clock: 11 h 15 min
